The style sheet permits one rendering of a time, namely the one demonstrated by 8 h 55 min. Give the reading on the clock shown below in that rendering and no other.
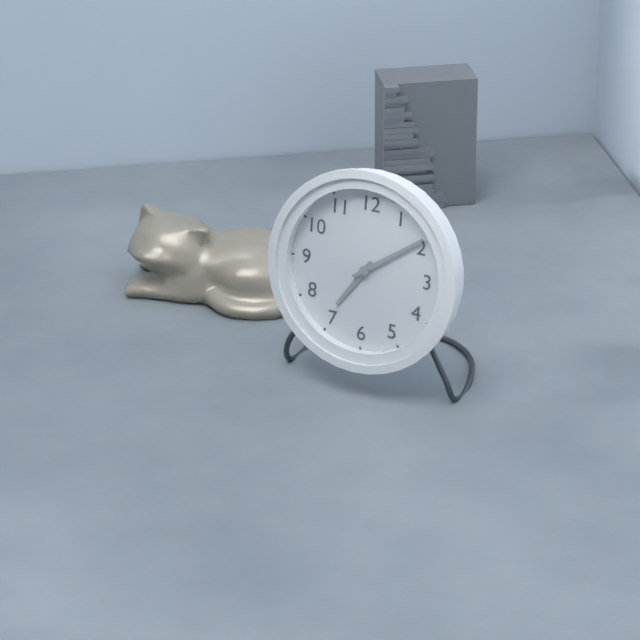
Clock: 7 h 09 min
